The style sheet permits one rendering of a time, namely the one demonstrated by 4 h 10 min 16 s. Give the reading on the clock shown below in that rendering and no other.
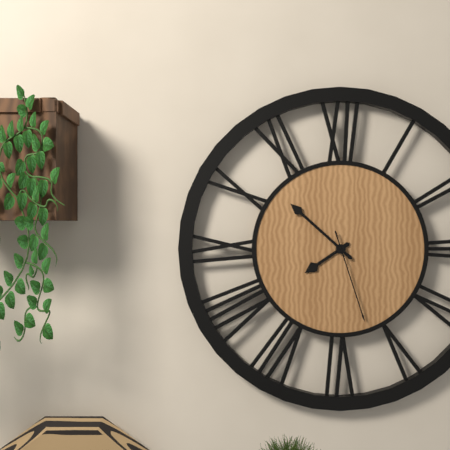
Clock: 7 h 52 min 27 s
